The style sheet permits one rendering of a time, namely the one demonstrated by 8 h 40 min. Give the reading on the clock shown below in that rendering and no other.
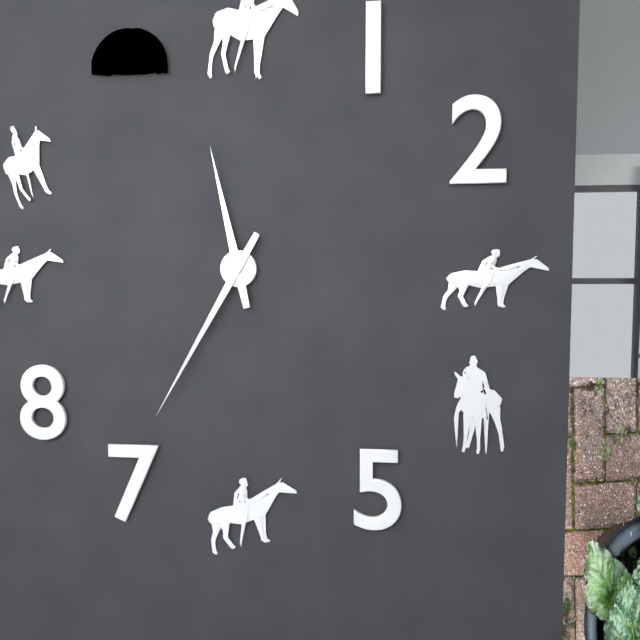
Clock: 11 h 35 min
